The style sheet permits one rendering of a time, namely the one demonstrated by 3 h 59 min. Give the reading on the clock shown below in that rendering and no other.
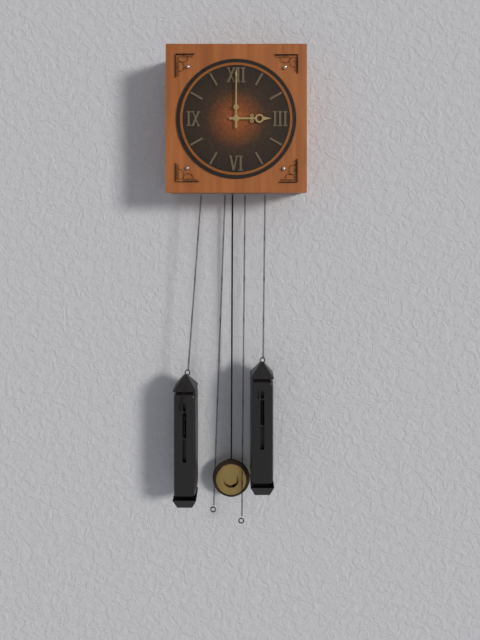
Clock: 3 h 00 min
